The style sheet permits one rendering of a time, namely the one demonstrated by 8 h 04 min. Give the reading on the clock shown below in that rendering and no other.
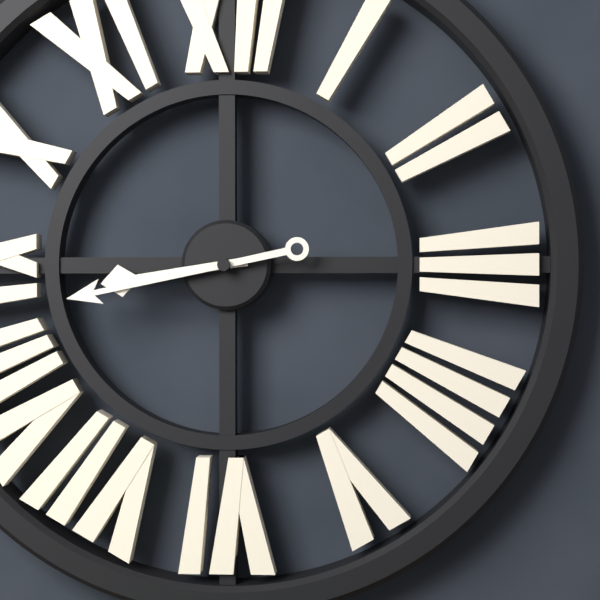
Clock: 8 h 43 min
